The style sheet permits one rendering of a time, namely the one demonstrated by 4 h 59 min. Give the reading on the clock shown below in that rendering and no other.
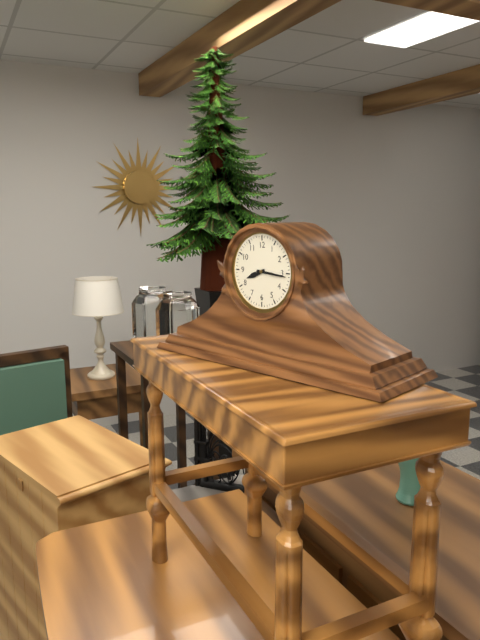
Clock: 8 h 16 min
